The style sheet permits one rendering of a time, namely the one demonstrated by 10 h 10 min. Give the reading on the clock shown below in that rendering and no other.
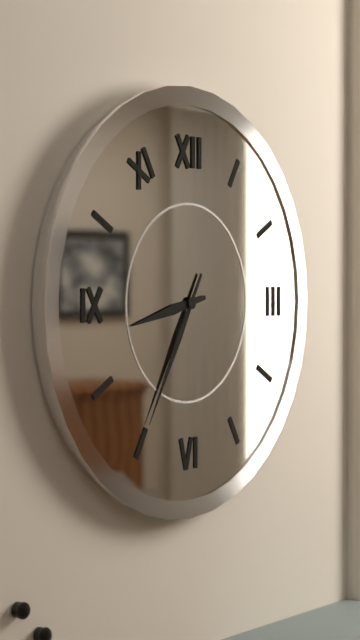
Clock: 8 h 35 min
